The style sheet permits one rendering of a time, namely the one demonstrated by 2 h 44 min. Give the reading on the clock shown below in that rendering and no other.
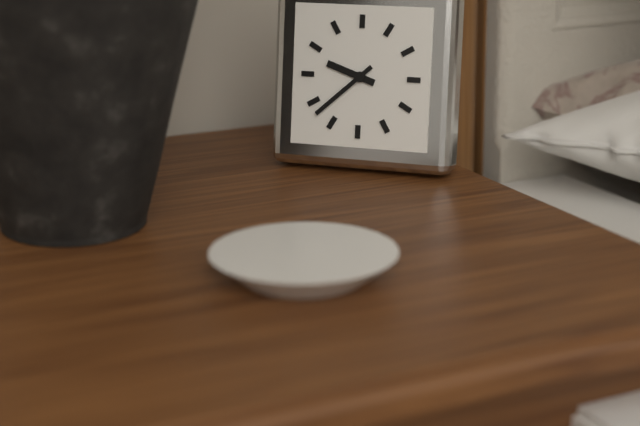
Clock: 9 h 38 min
